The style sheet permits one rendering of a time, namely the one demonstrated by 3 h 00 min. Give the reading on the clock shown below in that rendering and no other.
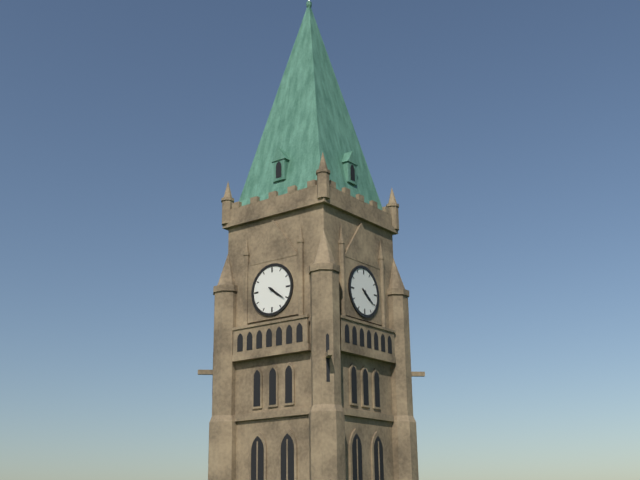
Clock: 4 h 21 min
